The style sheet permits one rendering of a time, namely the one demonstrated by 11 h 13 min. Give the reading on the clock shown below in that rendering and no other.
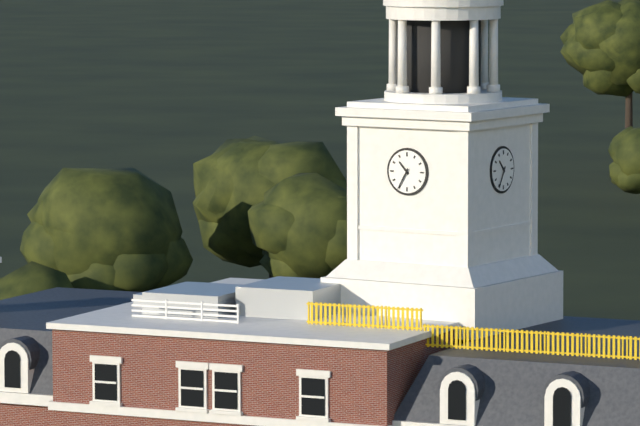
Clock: 10 h 35 min
